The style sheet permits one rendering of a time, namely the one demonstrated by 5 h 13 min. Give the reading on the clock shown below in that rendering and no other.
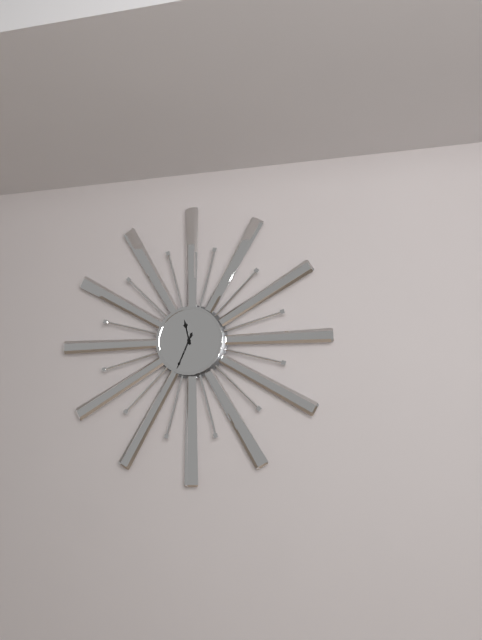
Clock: 11 h 34 min
